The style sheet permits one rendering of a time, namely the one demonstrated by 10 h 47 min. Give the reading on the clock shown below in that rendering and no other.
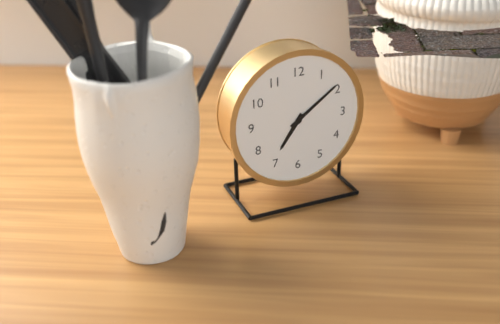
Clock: 7 h 09 min
